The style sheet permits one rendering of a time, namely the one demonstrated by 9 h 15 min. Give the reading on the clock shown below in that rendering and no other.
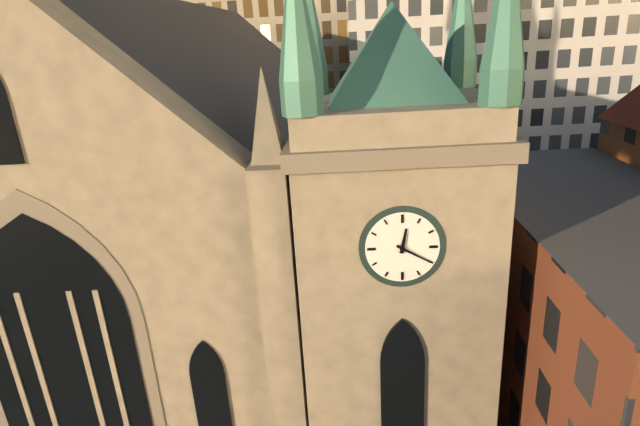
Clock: 12 h 20 min
